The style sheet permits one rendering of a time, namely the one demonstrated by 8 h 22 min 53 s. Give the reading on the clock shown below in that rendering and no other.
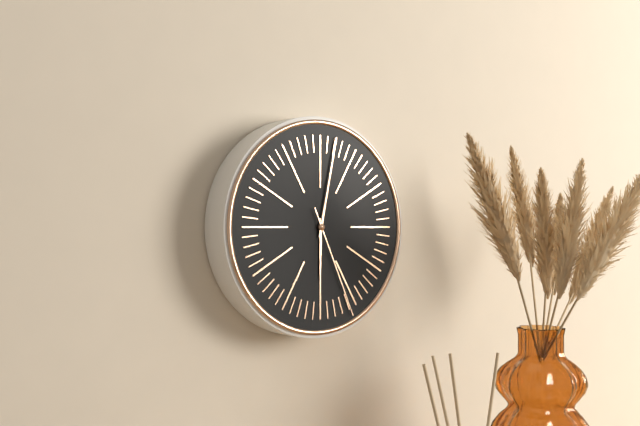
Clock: 6 h 02 min 26 s
